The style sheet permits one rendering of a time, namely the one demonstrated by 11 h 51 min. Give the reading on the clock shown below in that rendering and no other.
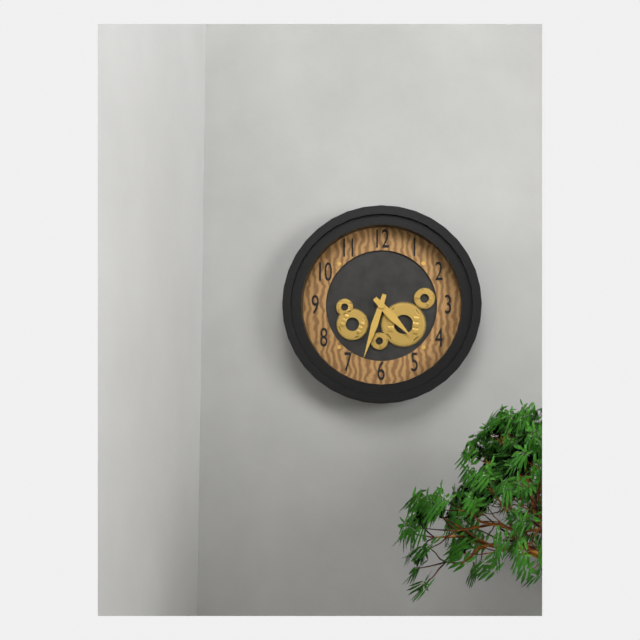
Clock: 4 h 33 min
